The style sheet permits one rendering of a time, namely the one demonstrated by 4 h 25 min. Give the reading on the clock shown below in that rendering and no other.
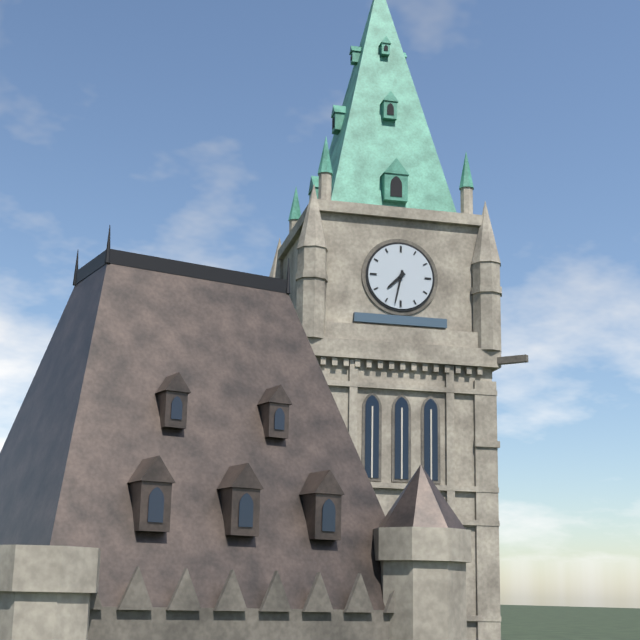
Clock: 7 h 32 min
